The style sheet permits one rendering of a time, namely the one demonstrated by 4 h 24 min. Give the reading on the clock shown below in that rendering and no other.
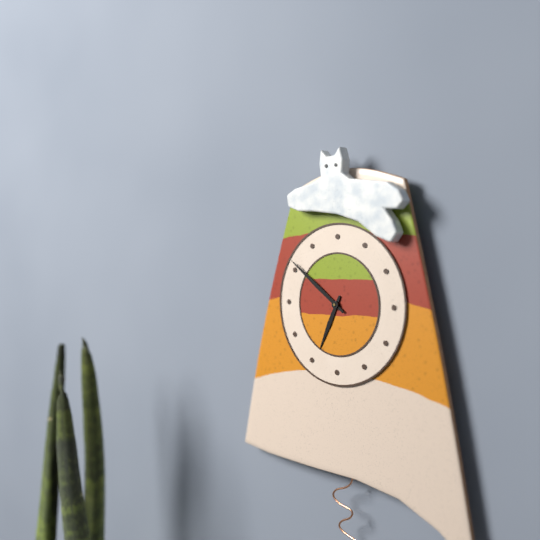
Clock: 6 h 51 min
